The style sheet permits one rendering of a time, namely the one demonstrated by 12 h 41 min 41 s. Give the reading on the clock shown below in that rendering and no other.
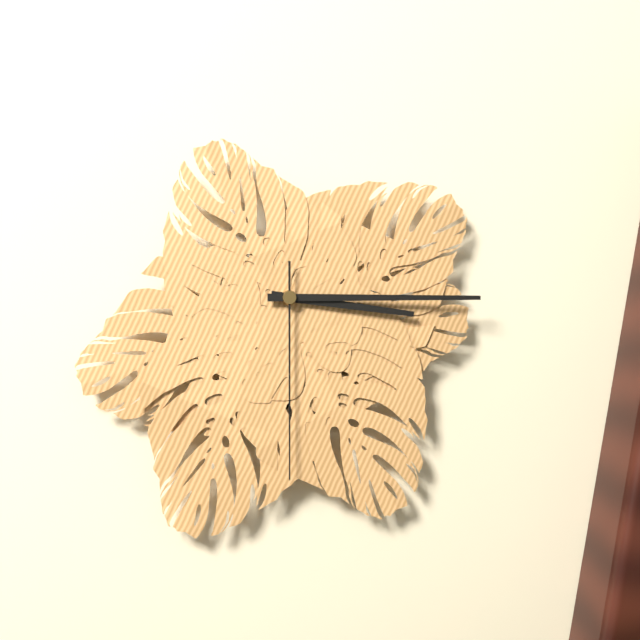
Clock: 3 h 15 min 30 s
